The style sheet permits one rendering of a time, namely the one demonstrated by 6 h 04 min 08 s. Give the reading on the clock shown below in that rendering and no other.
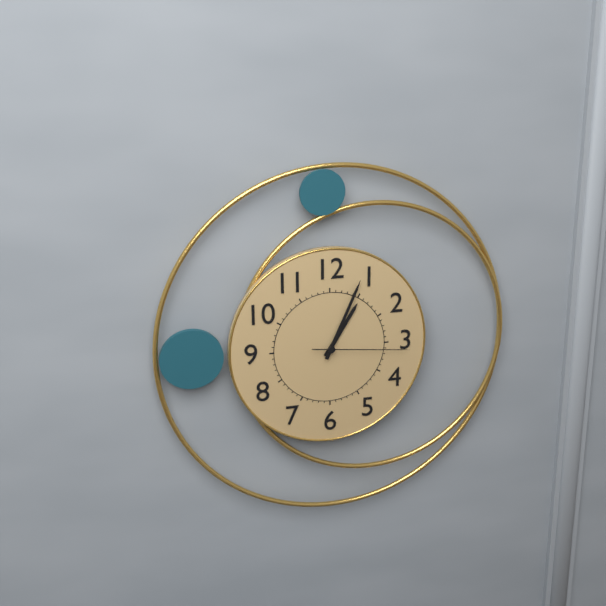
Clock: 1 h 04 min 16 s
